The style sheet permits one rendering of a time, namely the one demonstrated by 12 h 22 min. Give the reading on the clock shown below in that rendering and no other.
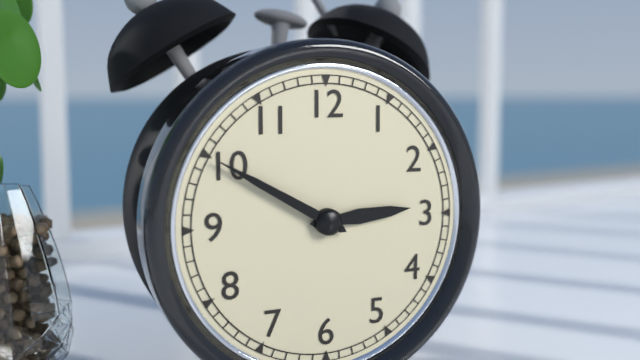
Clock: 2 h 50 min
